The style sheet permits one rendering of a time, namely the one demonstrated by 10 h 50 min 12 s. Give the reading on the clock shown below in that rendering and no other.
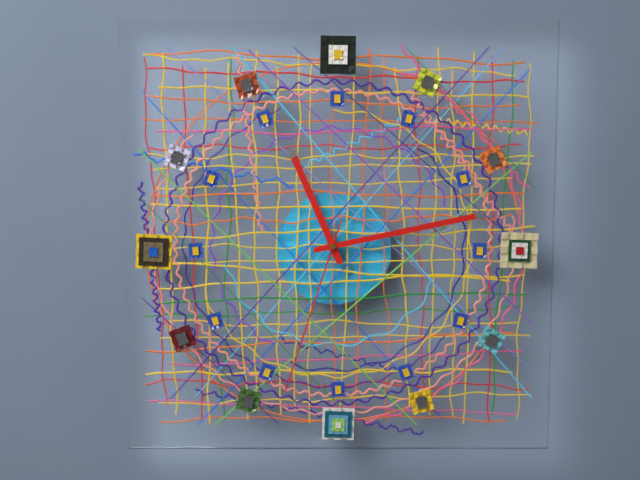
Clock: 11 h 13 min 33 s
